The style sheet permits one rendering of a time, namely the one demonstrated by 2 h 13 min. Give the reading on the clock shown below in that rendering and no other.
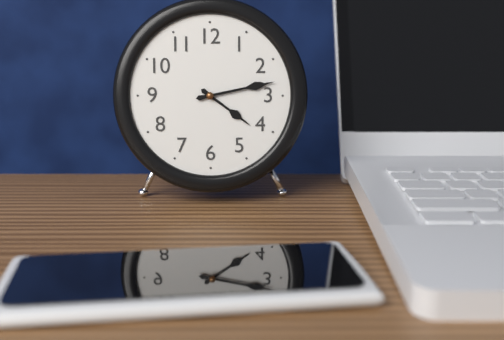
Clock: 4 h 13 min
